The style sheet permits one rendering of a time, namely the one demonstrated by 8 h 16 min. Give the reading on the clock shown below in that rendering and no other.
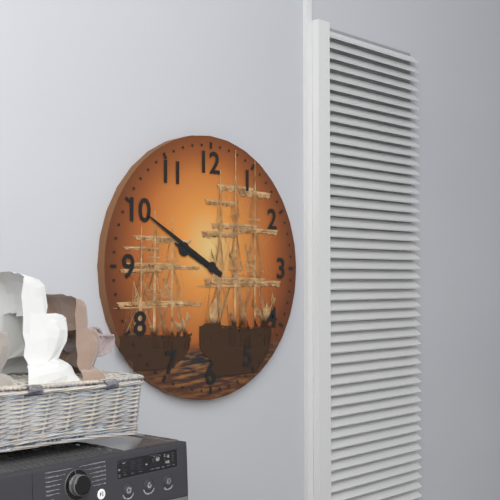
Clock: 9 h 50 min
